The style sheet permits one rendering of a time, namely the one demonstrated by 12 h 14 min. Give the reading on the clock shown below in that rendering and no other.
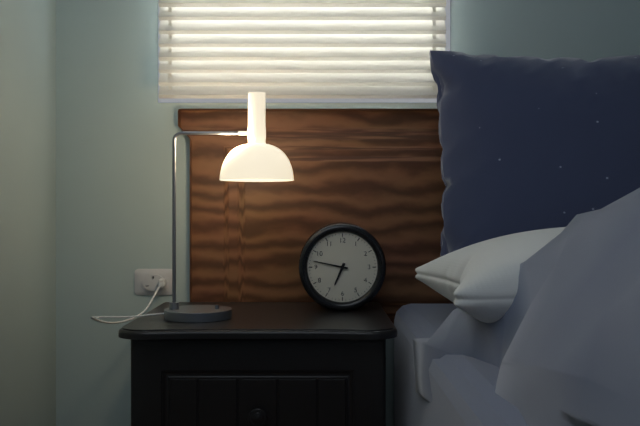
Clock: 6 h 47 min
